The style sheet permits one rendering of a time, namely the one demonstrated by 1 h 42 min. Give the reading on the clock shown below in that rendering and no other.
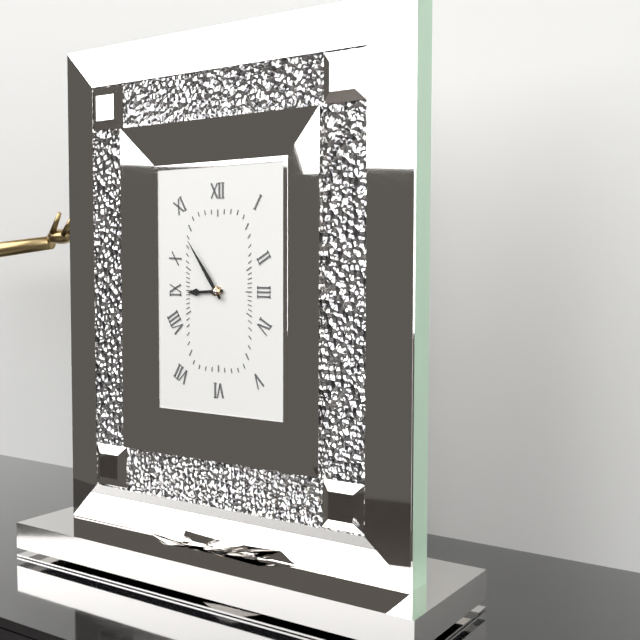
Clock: 8 h 54 min
